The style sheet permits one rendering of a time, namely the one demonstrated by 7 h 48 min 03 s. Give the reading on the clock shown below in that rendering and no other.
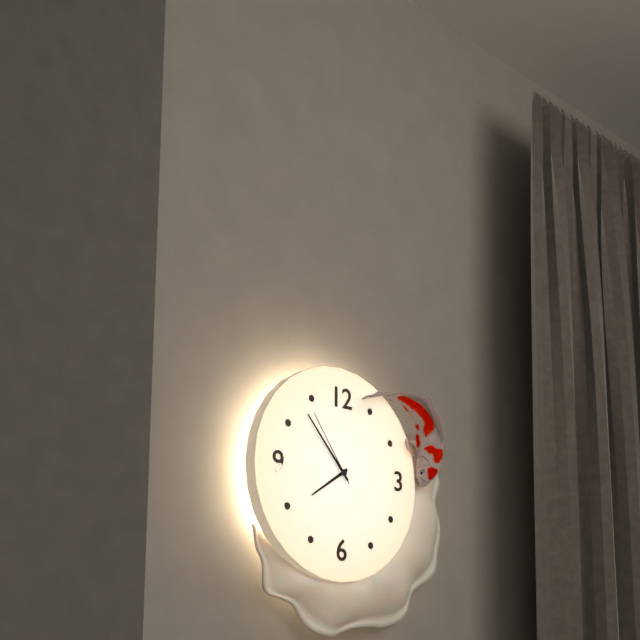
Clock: 7 h 53 min 54 s
